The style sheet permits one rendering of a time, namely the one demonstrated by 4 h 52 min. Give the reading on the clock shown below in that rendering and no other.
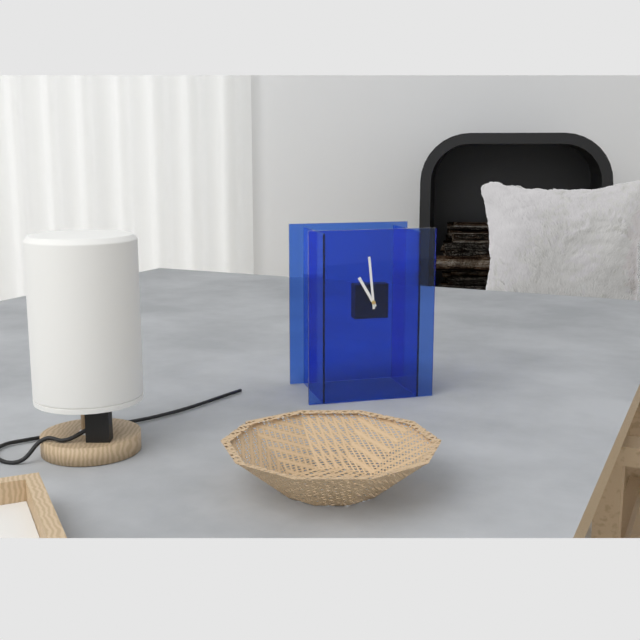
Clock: 10 h 59 min
